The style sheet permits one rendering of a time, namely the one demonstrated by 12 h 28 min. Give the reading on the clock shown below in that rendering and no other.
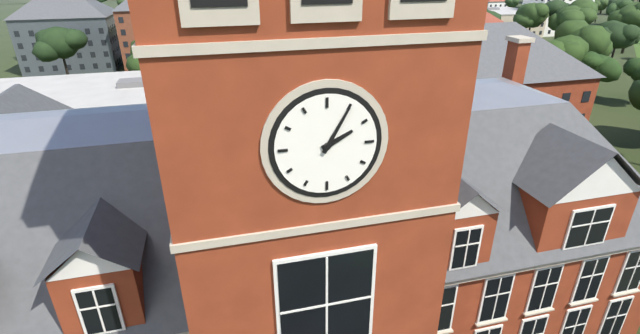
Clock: 2 h 05 min
